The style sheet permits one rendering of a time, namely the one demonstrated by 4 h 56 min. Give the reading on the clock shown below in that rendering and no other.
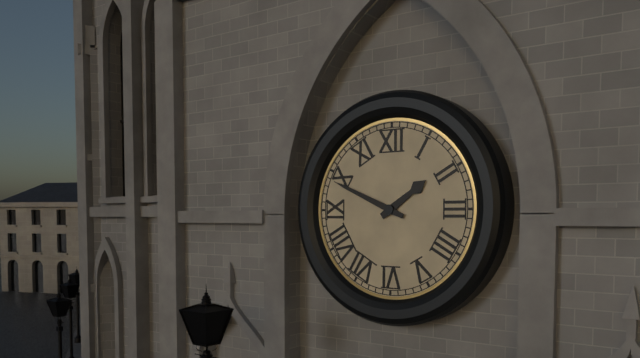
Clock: 1 h 49 min
